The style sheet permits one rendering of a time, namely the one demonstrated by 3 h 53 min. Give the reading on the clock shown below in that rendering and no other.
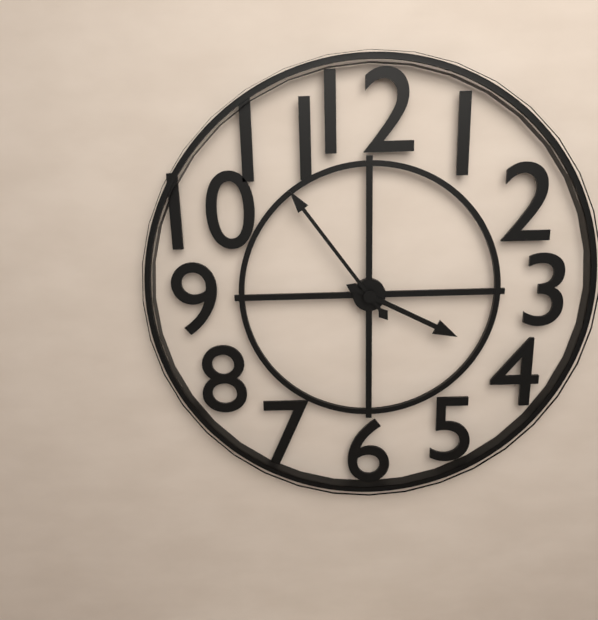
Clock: 3 h 54 min
